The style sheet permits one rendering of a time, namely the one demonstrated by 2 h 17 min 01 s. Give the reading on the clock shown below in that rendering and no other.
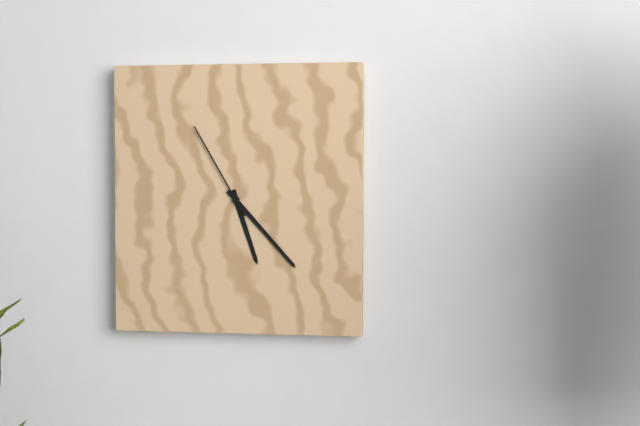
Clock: 5 h 23 min 55 s
